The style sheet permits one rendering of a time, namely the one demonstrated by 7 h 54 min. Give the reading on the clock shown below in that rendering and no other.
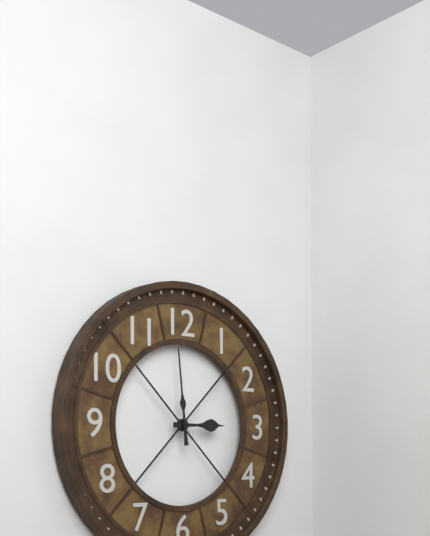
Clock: 2 h 59 min
